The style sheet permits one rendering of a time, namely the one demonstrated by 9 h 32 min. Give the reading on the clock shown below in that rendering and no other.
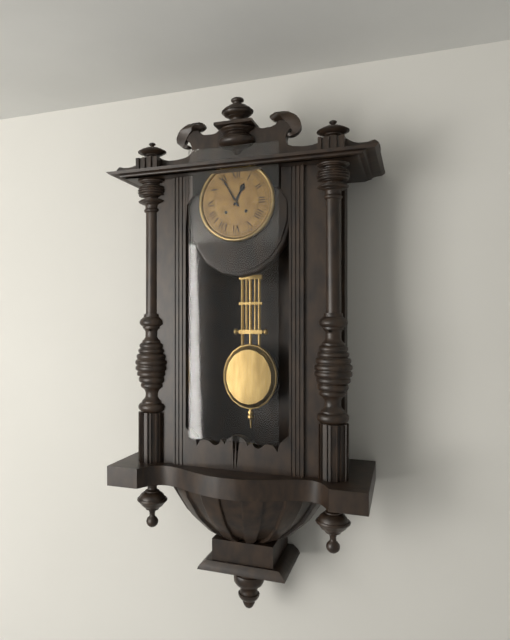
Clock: 12 h 55 min
